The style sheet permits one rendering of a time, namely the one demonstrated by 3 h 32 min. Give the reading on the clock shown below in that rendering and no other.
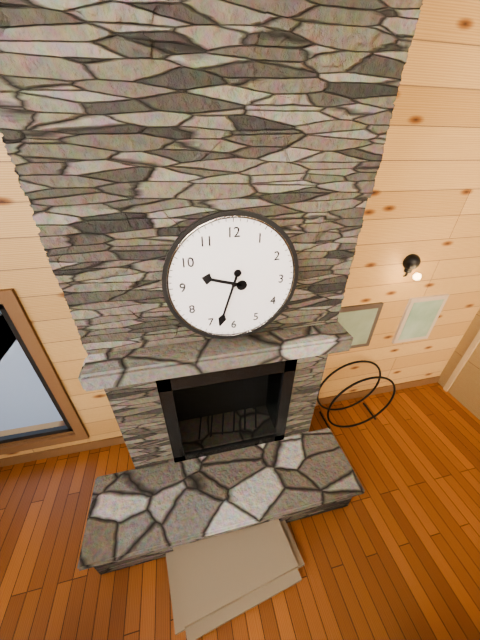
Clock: 9 h 33 min
